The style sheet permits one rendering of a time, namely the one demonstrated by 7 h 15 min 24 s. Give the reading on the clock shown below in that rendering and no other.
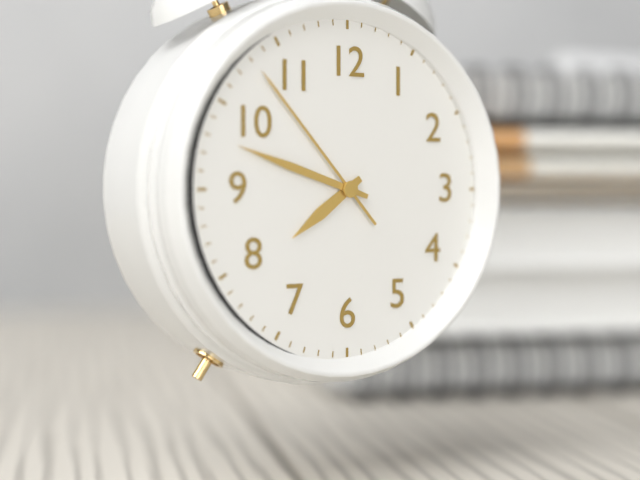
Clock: 7 h 48 min 53 s
